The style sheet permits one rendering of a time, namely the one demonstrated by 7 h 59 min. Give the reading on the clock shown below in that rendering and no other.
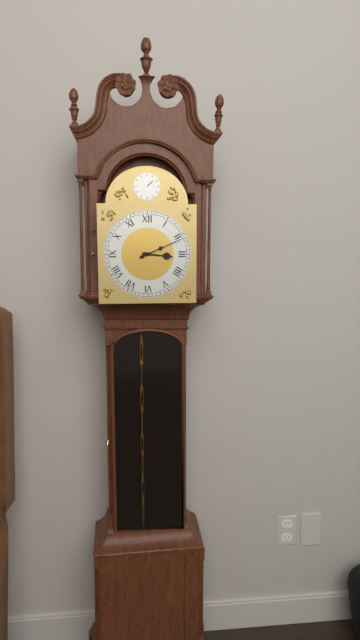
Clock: 3 h 11 min
